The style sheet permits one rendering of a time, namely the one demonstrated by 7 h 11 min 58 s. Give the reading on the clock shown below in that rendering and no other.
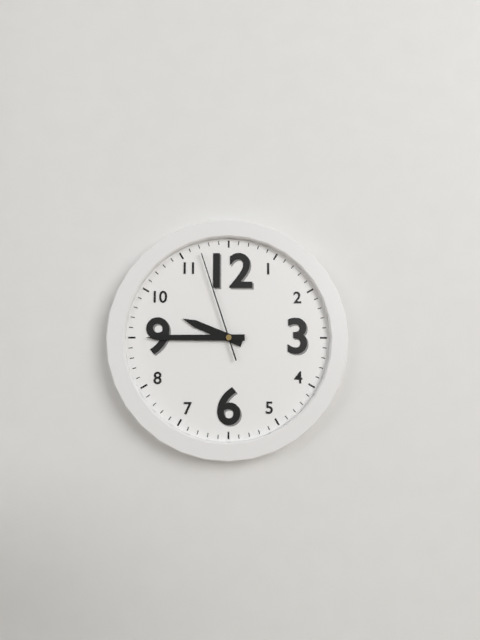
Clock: 9 h 45 min 57 s
